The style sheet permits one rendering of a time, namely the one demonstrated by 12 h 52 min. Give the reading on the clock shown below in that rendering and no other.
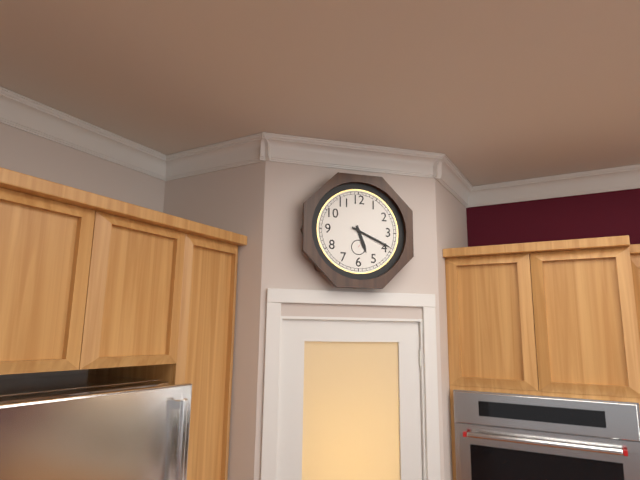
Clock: 5 h 19 min
